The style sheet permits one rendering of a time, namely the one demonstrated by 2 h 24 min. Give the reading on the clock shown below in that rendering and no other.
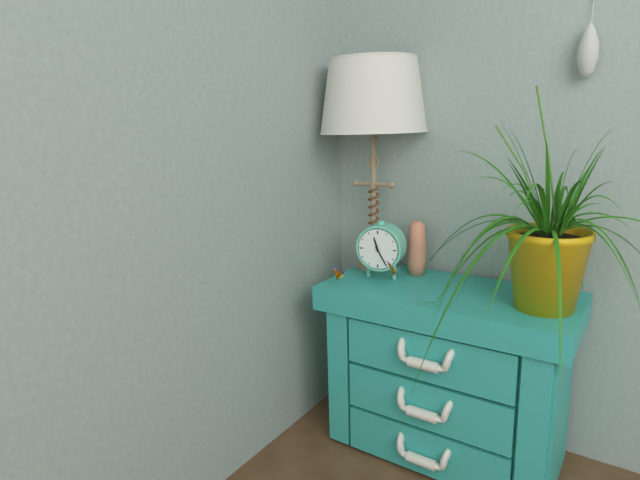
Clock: 11 h 25 min
